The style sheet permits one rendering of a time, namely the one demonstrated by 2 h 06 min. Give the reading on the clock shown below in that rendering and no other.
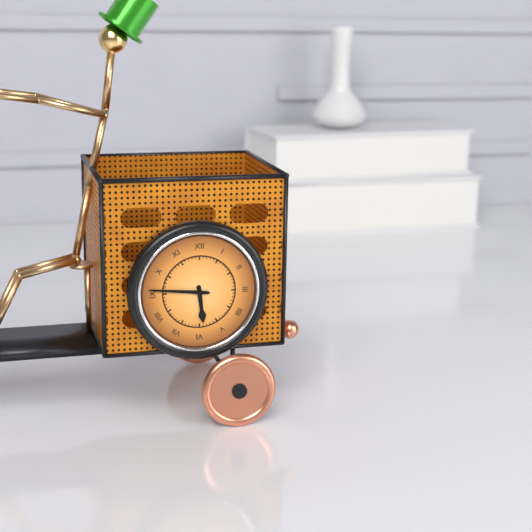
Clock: 5 h 46 min
